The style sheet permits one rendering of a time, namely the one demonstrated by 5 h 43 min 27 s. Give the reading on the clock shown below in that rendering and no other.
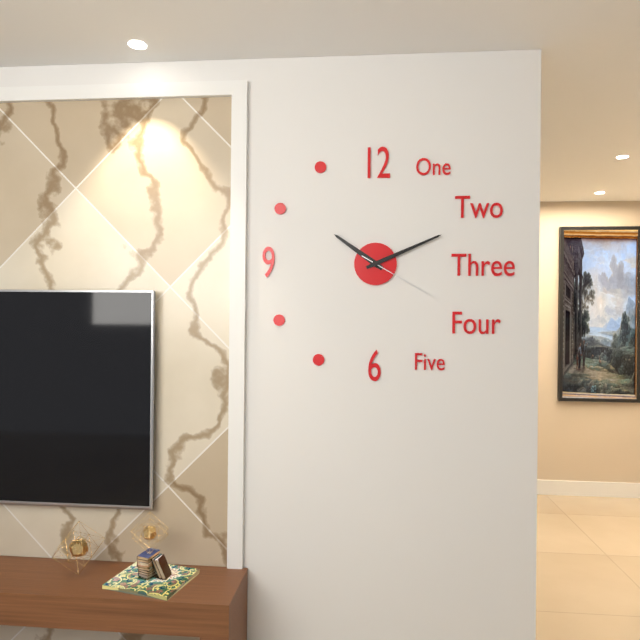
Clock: 10 h 11 min 20 s
